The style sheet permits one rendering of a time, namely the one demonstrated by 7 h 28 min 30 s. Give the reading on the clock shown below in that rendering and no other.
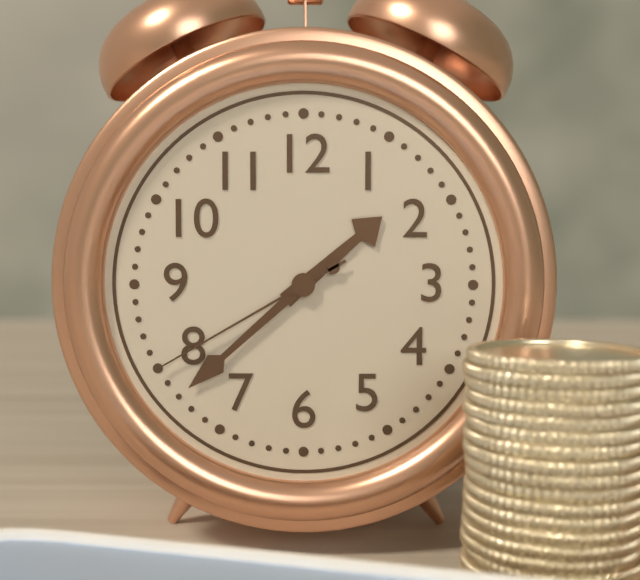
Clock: 1 h 38 min 40 s
